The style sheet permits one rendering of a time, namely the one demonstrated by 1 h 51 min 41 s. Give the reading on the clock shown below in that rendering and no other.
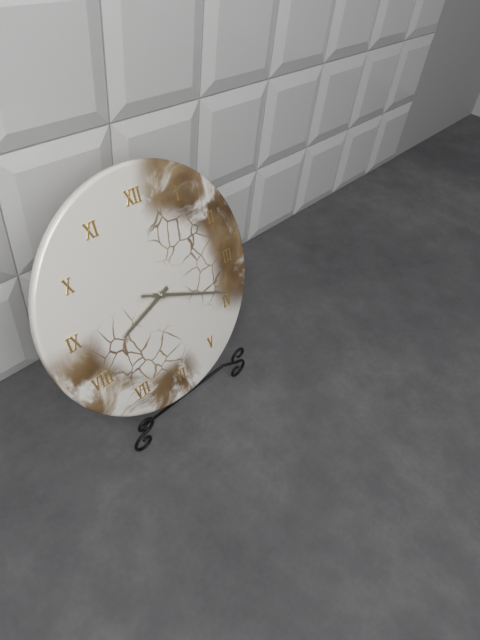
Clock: 8 h 19 min 19 s
